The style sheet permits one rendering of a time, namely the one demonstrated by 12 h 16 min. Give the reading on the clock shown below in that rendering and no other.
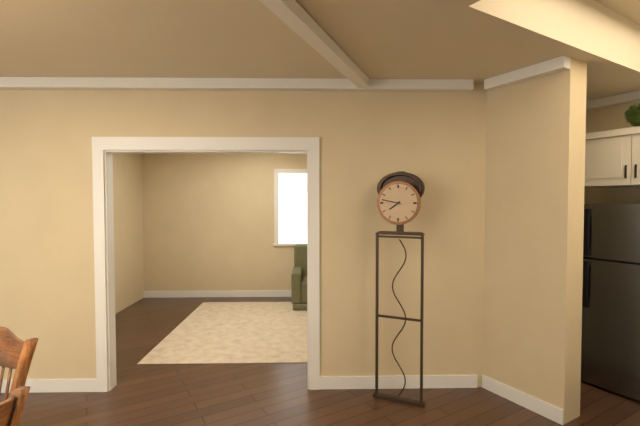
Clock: 7 h 47 min
